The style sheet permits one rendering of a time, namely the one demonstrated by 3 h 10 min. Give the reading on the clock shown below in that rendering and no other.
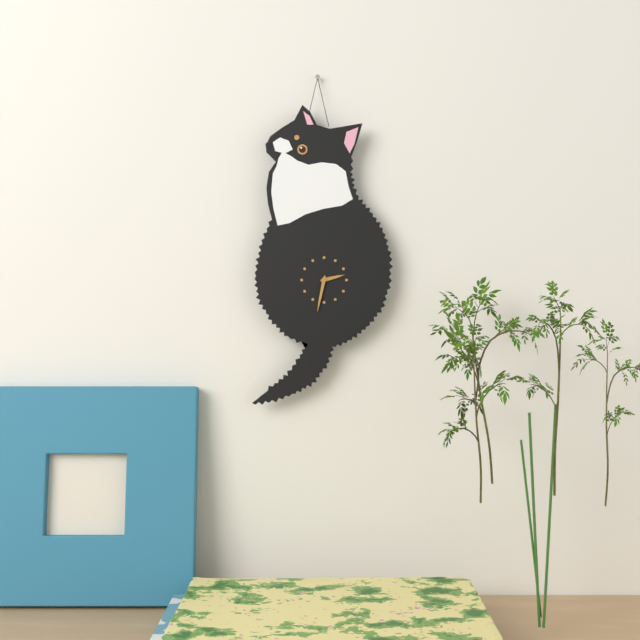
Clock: 2 h 32 min
